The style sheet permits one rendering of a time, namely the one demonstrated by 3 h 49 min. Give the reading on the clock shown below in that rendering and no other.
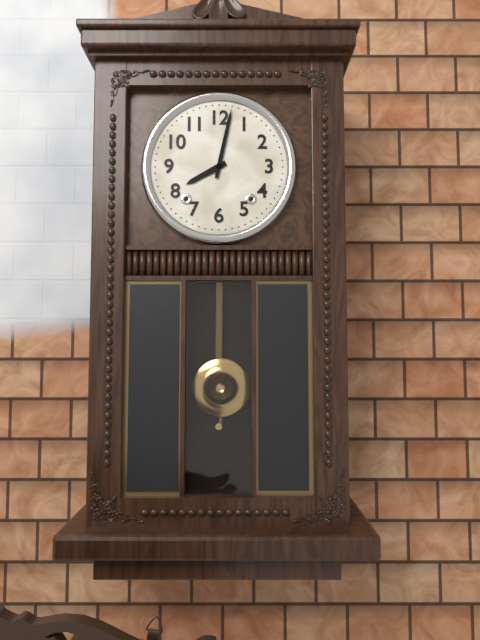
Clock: 8 h 02 min
